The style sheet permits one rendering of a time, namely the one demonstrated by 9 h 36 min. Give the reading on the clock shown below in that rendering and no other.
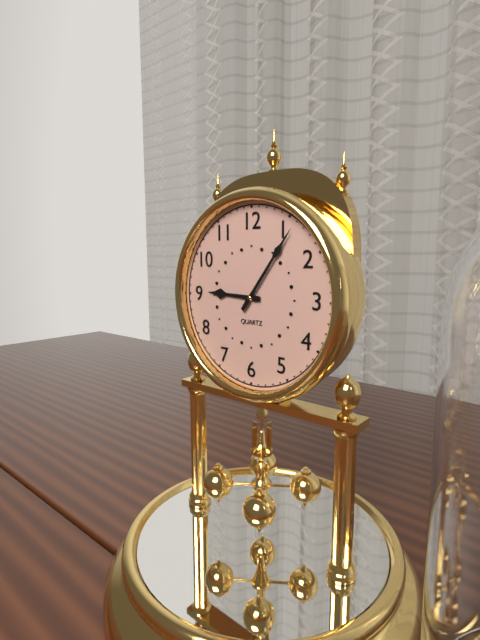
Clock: 9 h 06 min
